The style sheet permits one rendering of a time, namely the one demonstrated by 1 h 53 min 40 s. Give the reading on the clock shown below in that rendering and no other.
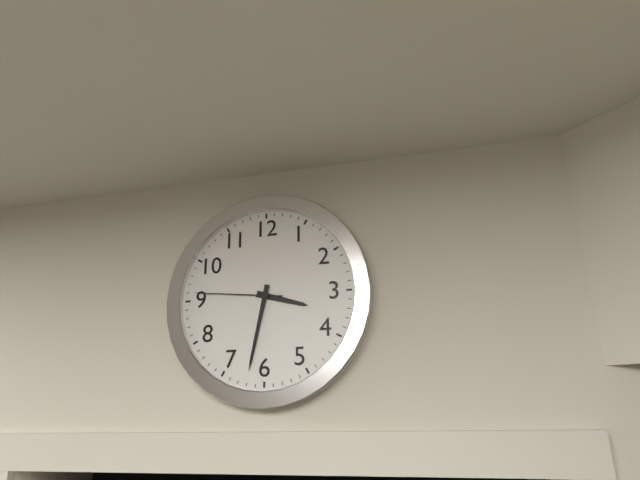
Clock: 3 h 32 min 46 s
